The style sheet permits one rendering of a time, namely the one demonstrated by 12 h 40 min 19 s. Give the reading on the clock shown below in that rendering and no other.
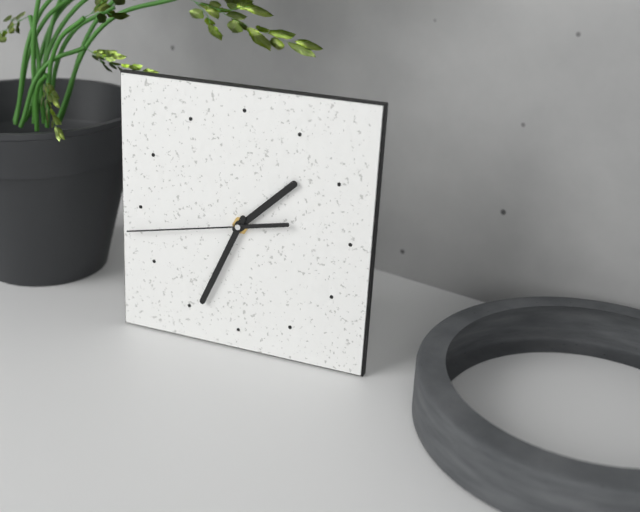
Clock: 1 h 34 min 43 s
